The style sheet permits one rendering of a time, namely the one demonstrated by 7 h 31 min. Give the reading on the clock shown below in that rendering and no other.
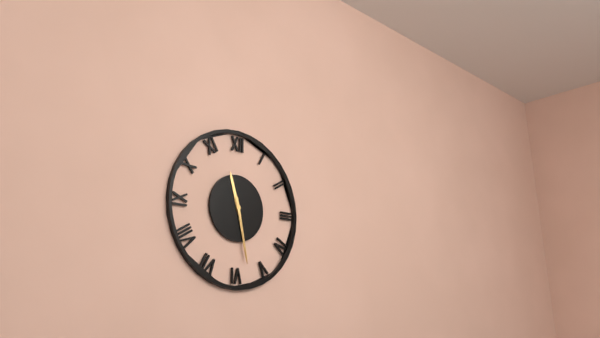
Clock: 11 h 28 min
